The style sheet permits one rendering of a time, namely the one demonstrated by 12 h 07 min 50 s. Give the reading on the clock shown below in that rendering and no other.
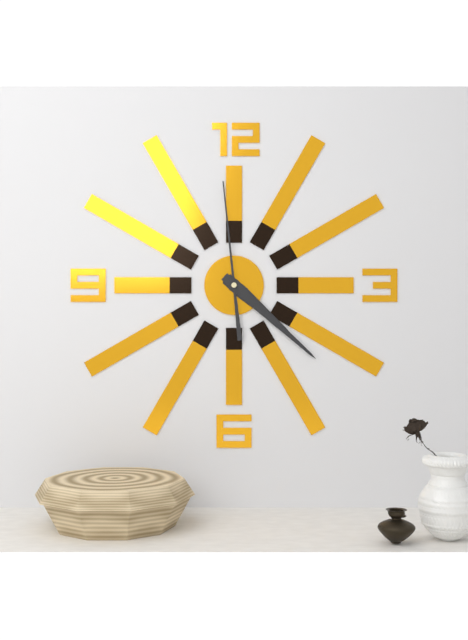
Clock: 4 h 22 min 59 s
